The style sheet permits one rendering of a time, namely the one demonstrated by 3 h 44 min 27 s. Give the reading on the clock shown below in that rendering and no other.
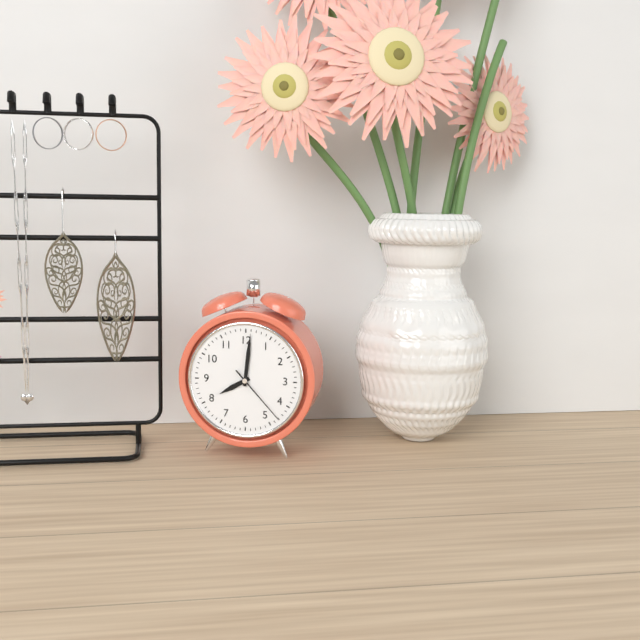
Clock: 8 h 01 min 23 s
